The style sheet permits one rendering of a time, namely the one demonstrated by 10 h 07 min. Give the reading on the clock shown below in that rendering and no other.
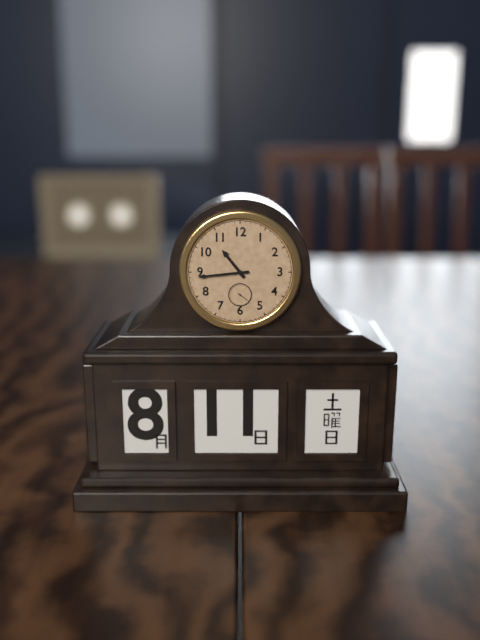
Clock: 10 h 44 min
